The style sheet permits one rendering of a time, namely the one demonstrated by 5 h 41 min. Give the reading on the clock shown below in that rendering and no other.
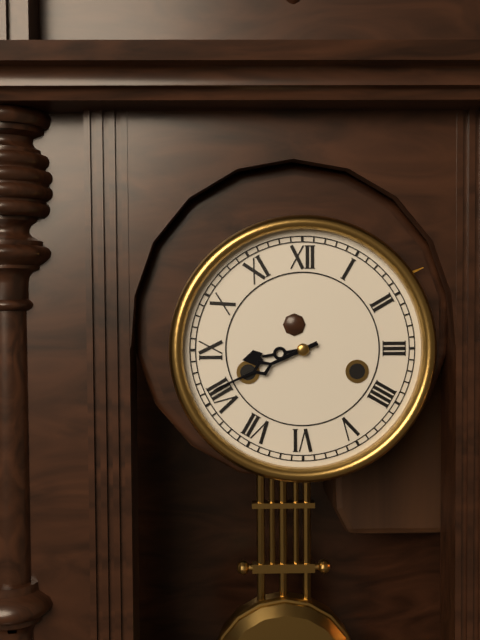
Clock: 8 h 41 min
